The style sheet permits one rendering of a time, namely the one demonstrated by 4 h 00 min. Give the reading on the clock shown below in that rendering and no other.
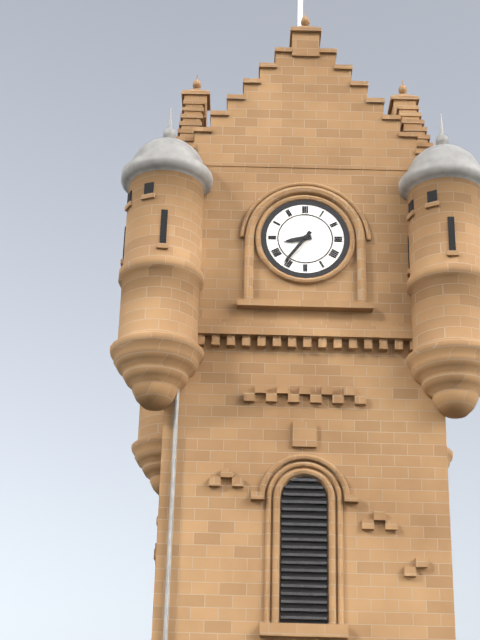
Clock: 8 h 36 min
